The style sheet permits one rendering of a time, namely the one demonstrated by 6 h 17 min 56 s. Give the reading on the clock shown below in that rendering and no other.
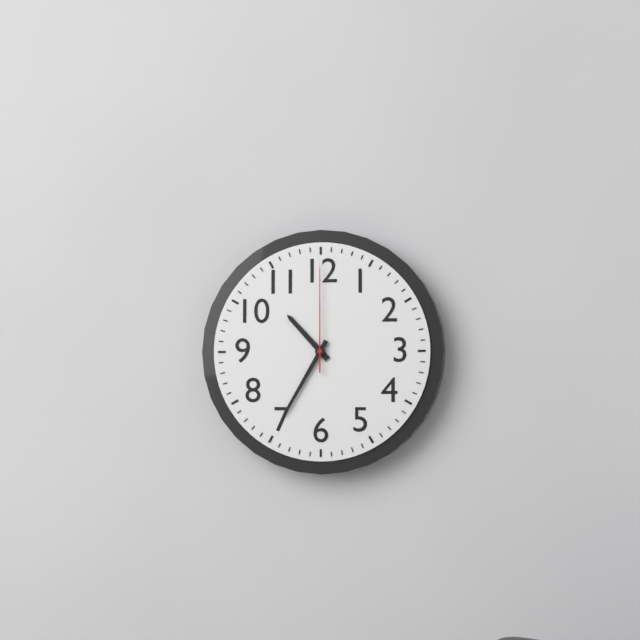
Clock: 10 h 35 min 00 s
